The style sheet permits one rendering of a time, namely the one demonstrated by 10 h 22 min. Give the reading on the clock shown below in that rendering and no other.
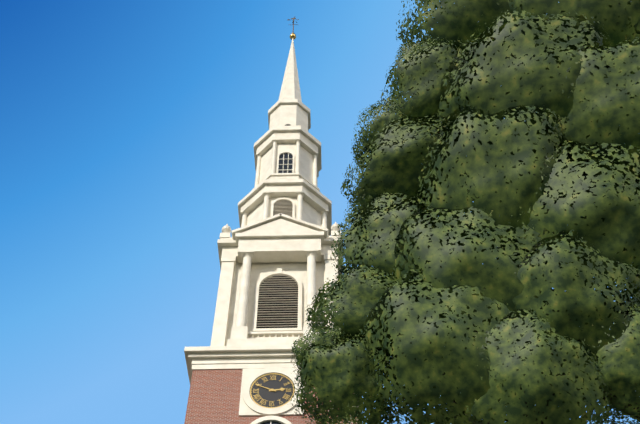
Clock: 2 h 49 min
